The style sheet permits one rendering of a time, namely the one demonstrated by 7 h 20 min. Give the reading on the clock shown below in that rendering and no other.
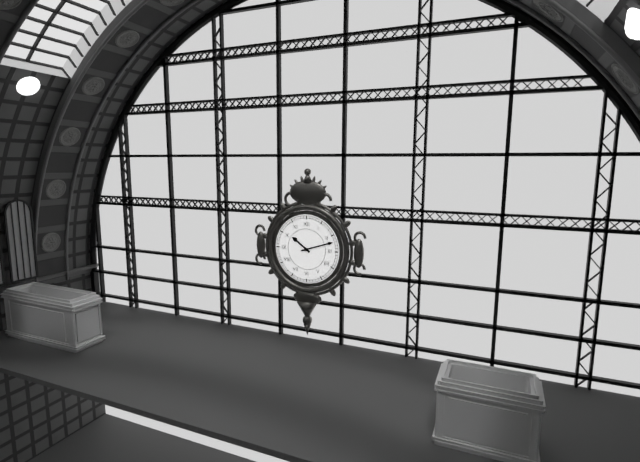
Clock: 10 h 12 min
